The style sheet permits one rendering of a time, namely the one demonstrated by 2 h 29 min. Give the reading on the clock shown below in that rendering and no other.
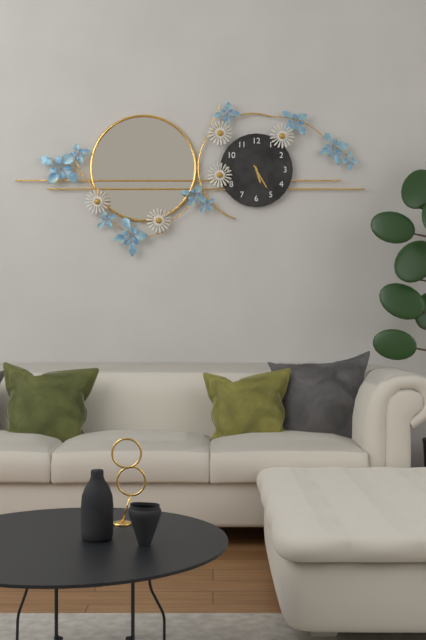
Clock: 5 h 25 min
